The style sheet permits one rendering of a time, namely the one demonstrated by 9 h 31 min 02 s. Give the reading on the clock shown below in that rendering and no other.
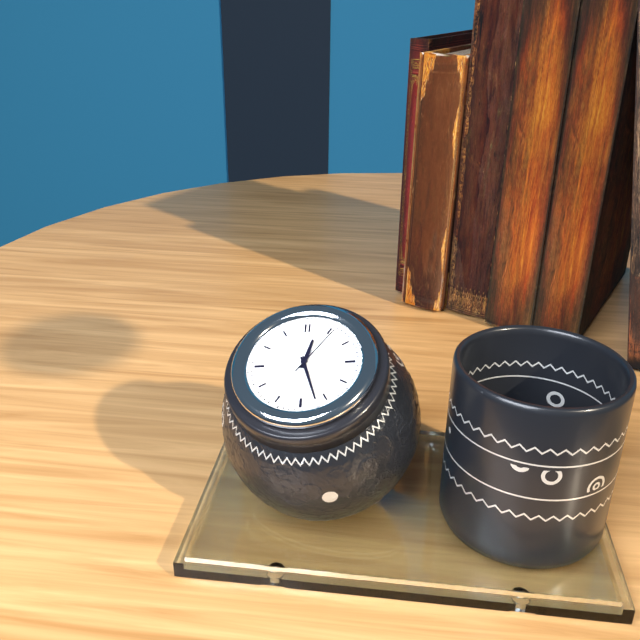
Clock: 12 h 27 min 06 s
